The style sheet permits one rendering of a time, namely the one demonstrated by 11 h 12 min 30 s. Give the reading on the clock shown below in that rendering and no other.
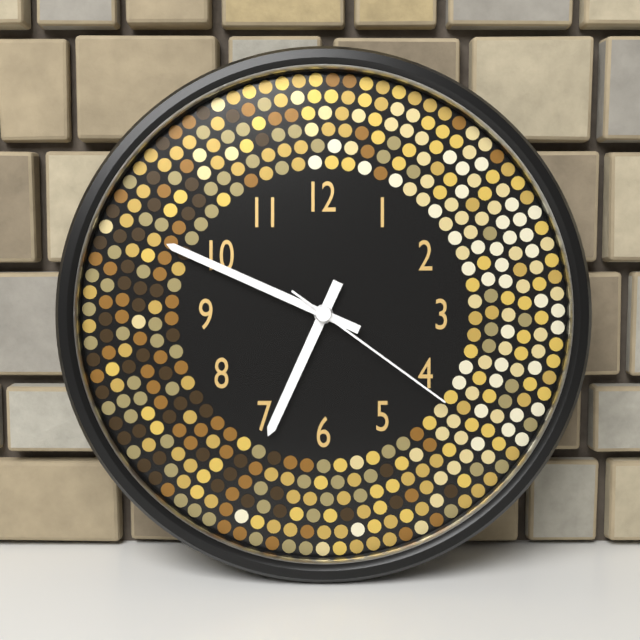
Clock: 6 h 49 min 21 s
